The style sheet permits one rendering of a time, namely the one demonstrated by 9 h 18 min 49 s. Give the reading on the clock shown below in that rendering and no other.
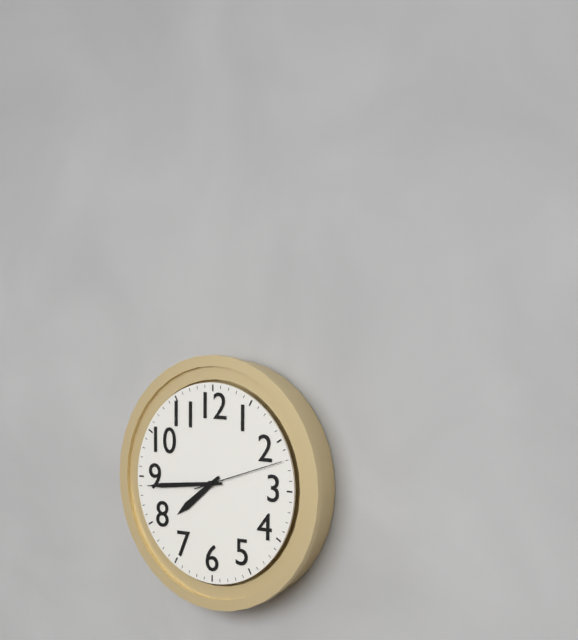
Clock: 7 h 44 min 12 s
